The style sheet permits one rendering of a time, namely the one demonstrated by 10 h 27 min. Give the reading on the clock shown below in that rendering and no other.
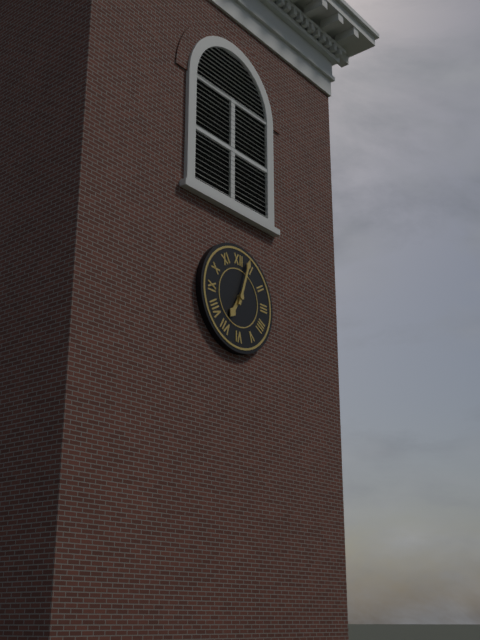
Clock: 7 h 03 min
